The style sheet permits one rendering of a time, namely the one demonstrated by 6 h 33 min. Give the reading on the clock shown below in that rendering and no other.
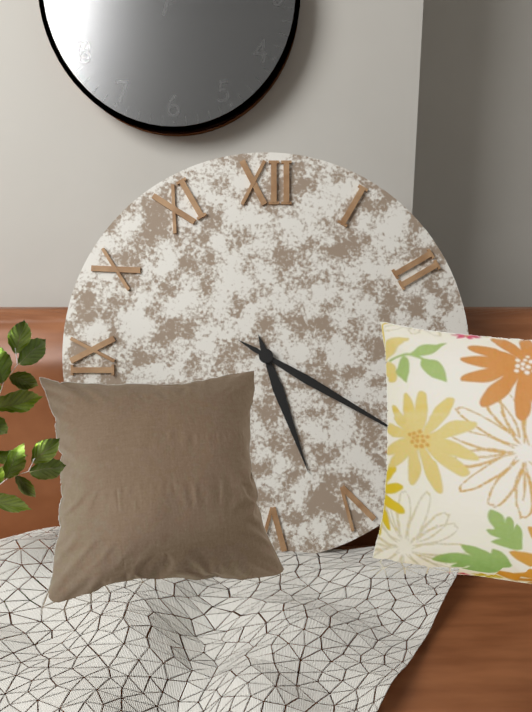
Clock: 5 h 20 min
